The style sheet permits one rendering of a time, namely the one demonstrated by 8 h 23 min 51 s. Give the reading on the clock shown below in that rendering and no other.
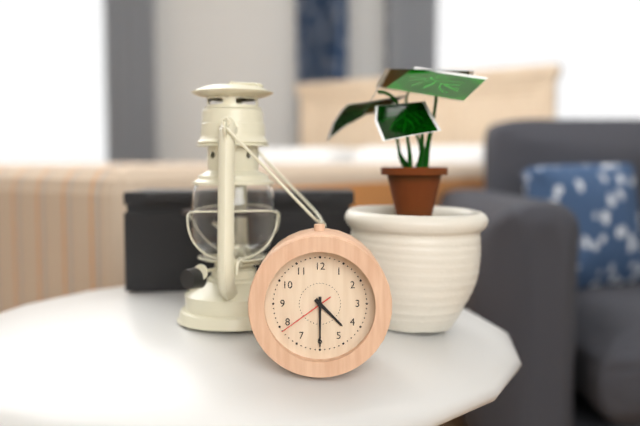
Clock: 4 h 30 min 39 s
